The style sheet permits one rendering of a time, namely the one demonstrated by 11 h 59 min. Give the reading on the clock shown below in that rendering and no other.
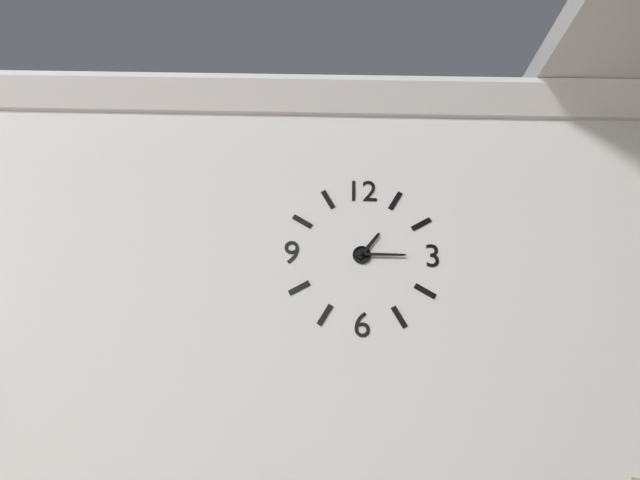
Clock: 1 h 15 min
